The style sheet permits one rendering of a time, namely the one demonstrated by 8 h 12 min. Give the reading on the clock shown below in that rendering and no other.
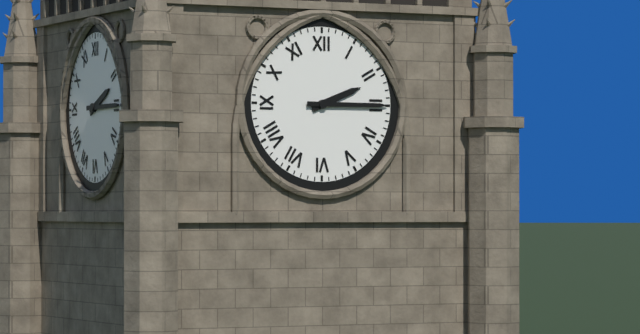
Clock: 2 h 15 min
